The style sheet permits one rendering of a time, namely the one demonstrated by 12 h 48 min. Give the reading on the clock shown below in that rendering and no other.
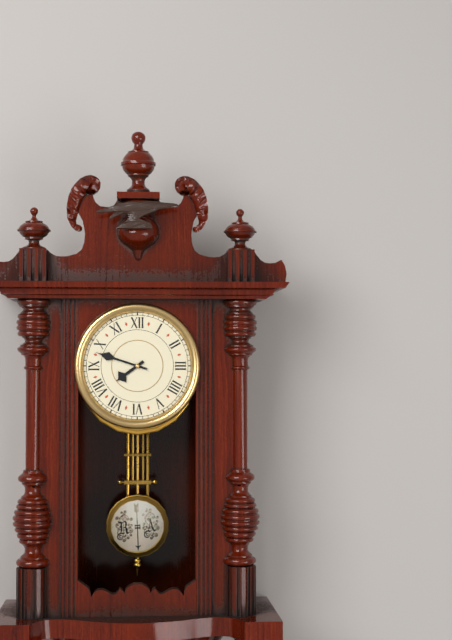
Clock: 7 h 48 min
